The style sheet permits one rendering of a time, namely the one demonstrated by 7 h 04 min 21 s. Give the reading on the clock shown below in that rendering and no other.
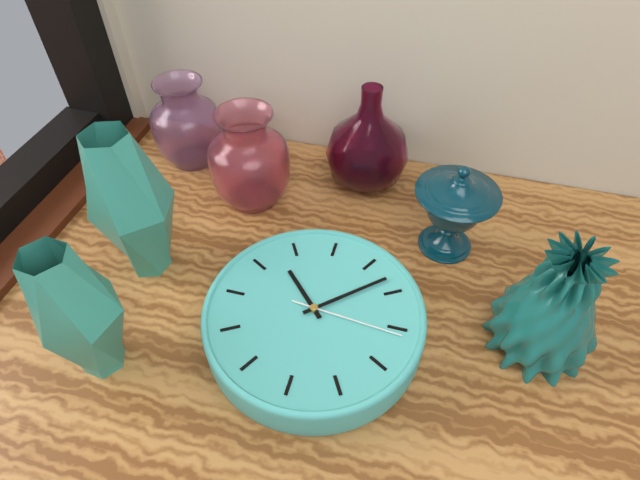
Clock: 3 h 33 min 41 s
